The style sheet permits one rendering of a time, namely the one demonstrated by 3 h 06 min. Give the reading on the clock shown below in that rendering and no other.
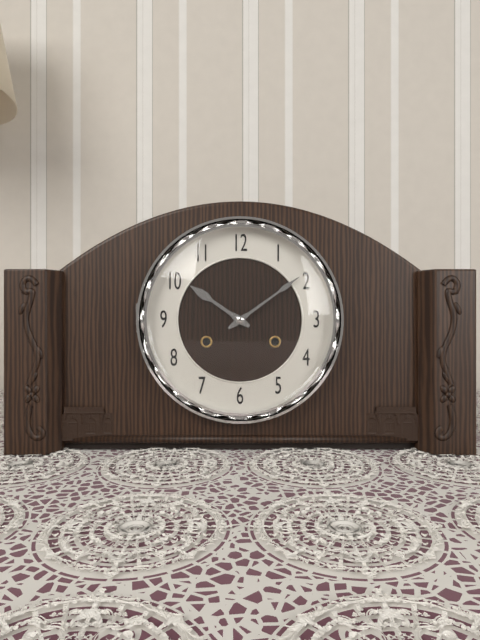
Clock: 10 h 09 min
